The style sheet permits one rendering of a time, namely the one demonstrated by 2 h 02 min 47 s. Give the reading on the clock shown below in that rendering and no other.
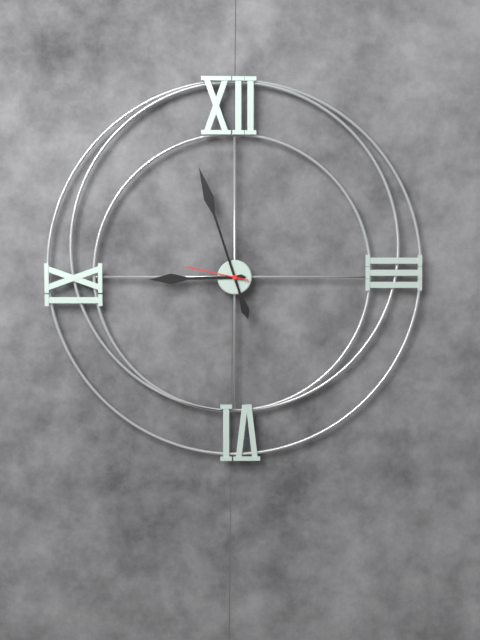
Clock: 8 h 57 min 47 s
